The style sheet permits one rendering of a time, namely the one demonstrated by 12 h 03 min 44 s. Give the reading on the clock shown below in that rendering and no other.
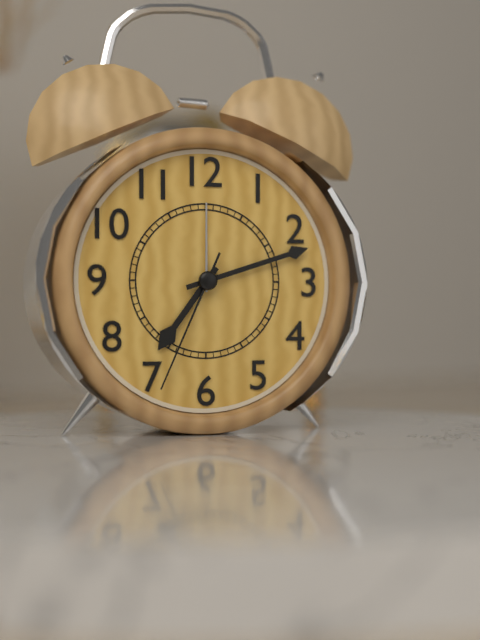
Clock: 7 h 12 min 34 s
